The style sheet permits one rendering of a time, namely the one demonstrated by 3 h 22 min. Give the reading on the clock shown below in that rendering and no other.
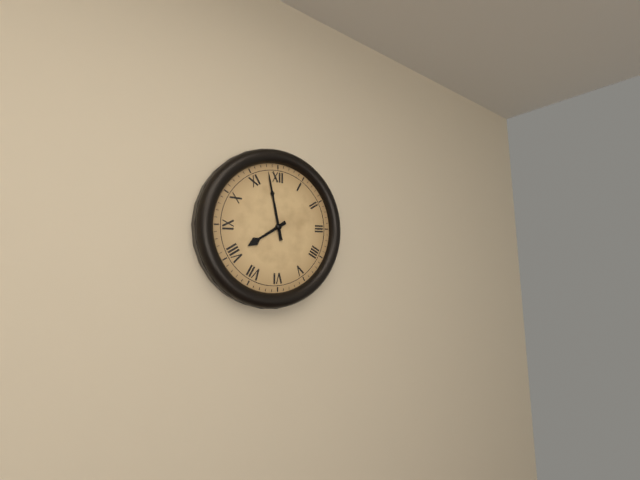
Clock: 7 h 58 min
